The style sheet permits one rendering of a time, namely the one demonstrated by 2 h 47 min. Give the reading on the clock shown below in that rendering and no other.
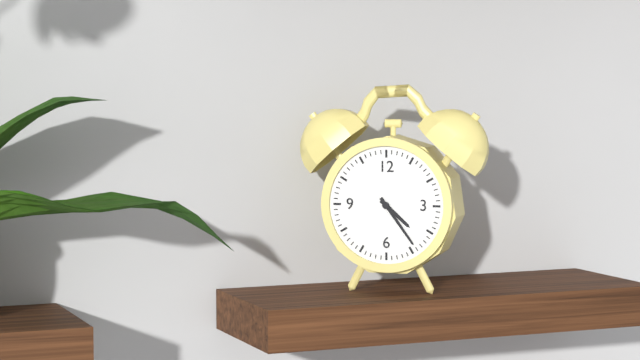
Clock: 4 h 24 min
